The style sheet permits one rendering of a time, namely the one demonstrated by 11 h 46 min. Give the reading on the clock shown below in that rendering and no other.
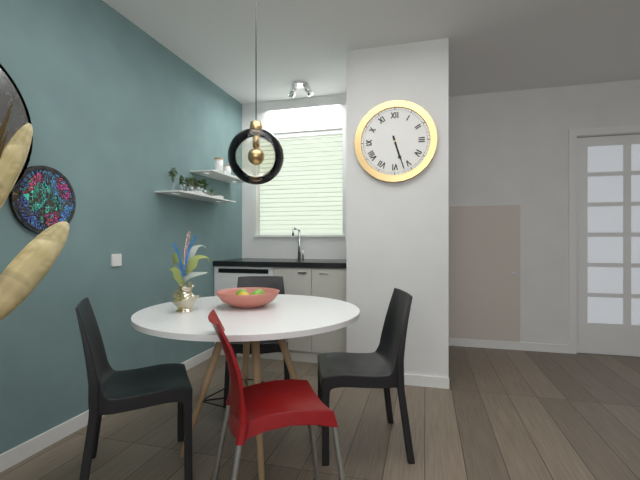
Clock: 5 h 27 min
